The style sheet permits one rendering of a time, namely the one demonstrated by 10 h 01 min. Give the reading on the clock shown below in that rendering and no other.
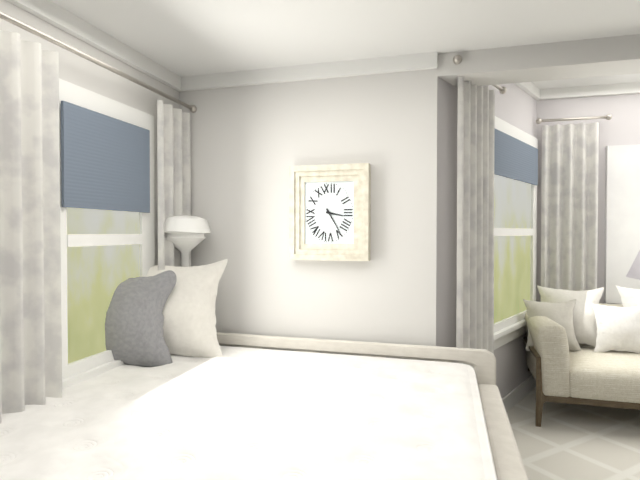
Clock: 3 h 25 min
